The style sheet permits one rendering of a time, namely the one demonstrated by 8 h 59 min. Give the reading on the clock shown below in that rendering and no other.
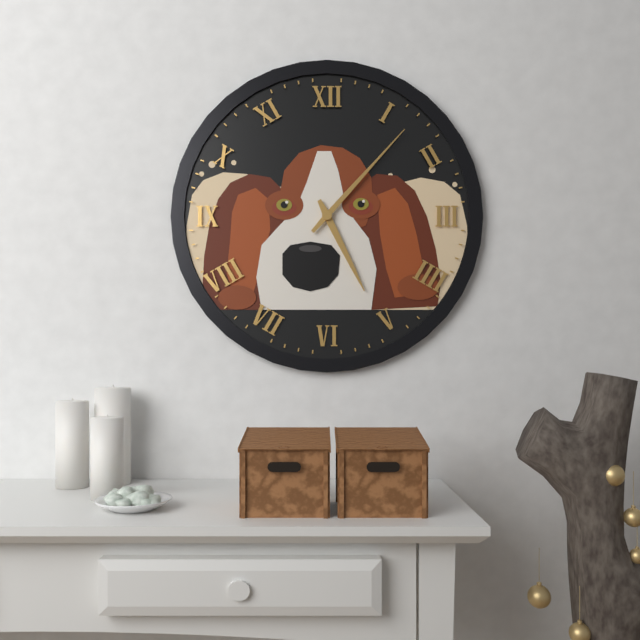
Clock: 5 h 07 min
